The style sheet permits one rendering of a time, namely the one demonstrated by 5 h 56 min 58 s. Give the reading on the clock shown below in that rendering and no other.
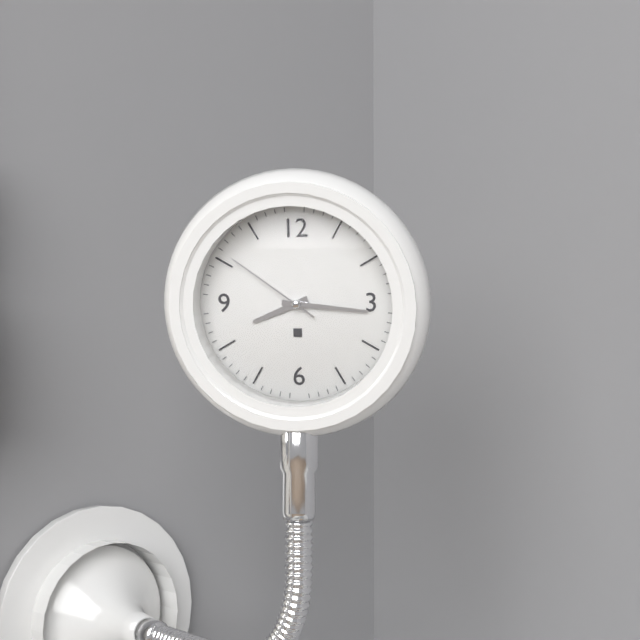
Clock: 8 h 16 min 51 s
